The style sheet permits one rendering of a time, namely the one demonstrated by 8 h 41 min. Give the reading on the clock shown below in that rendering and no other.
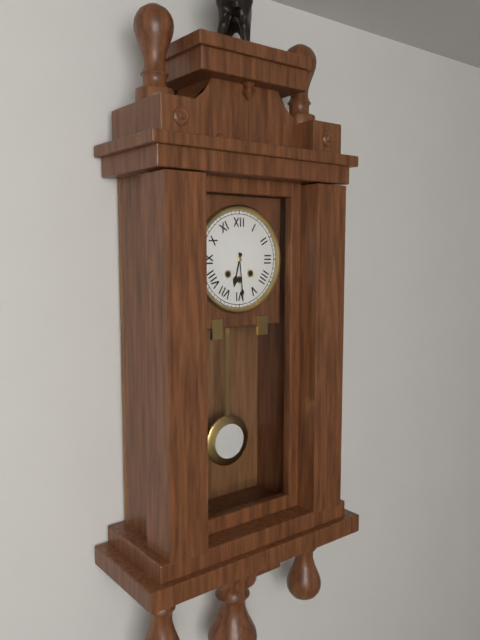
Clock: 6 h 29 min
